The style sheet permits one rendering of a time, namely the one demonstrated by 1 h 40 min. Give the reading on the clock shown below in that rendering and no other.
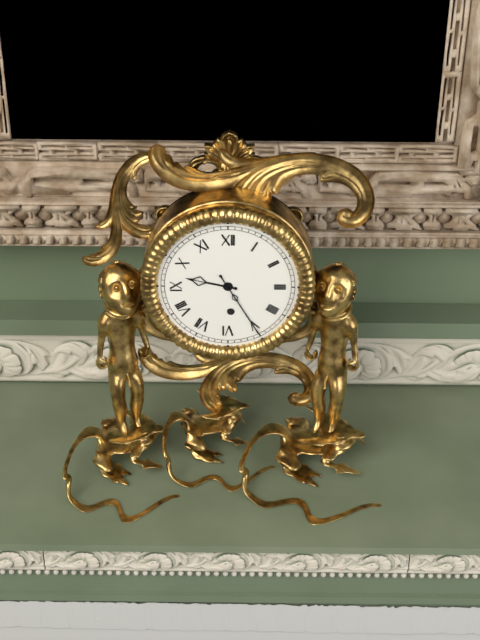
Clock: 9 h 25 min
